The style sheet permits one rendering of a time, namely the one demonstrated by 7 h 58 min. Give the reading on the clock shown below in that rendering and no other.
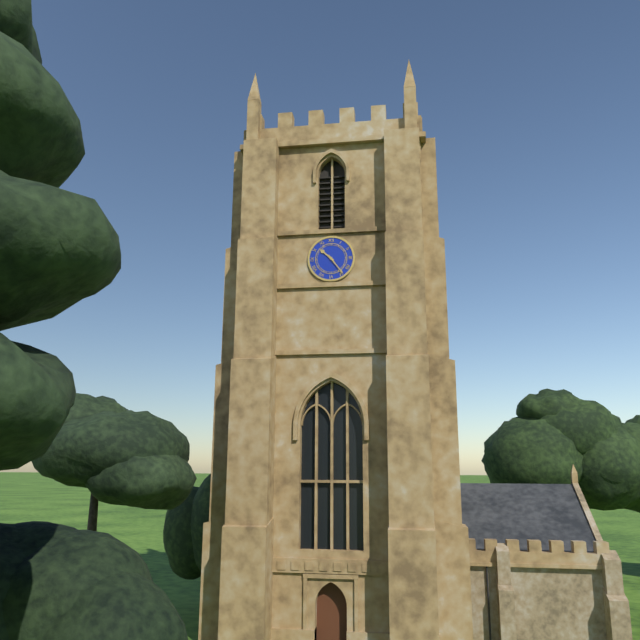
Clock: 10 h 24 min
